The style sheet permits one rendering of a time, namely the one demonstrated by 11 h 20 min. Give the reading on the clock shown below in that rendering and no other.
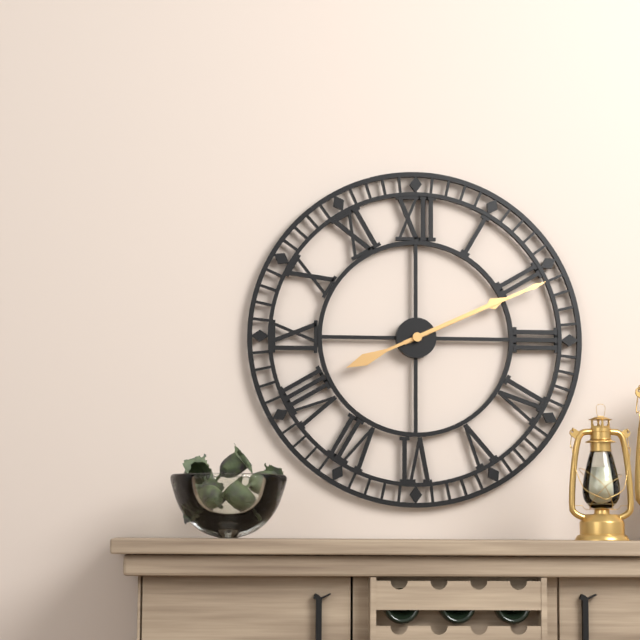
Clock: 2 h 11 min
